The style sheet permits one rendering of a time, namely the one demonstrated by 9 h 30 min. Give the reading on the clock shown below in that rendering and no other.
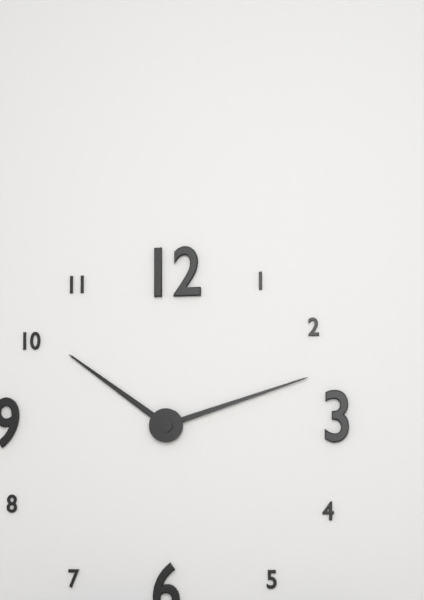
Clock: 10 h 12 min
